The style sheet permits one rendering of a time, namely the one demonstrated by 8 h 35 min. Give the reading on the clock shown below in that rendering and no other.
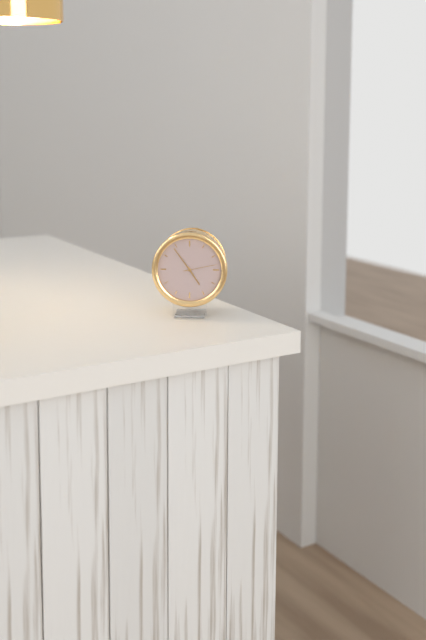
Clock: 4 h 54 min
